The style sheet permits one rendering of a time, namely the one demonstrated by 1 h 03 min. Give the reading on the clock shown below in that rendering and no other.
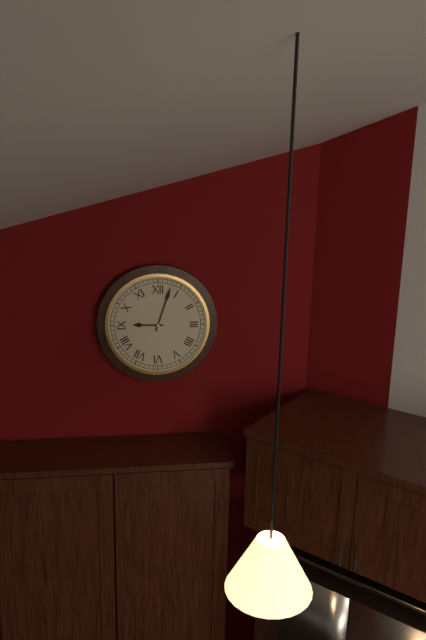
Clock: 9 h 03 min
